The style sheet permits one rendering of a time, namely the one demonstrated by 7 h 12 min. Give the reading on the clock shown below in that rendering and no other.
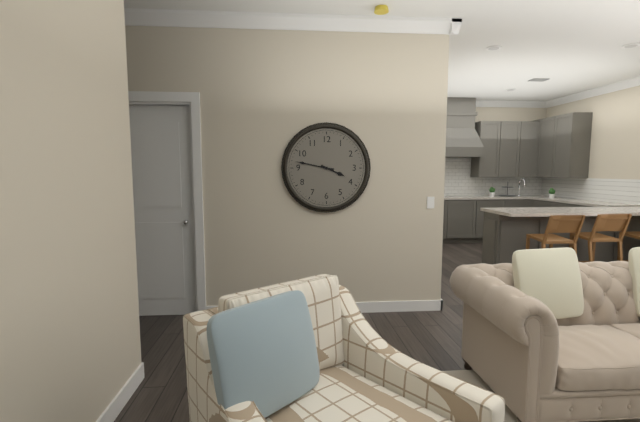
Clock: 3 h 47 min
